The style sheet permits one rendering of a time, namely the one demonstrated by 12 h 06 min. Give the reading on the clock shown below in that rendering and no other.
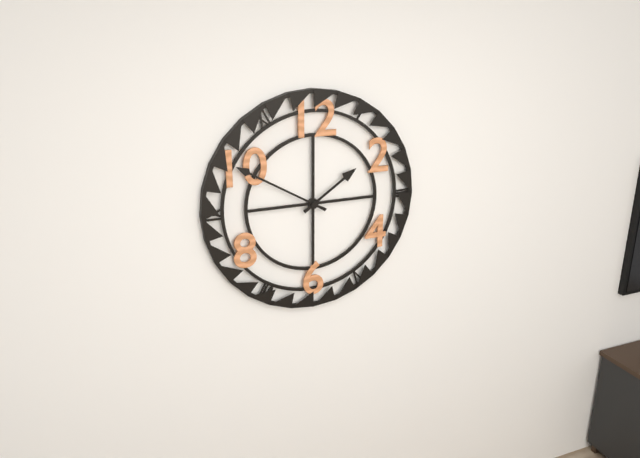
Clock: 1 h 50 min
